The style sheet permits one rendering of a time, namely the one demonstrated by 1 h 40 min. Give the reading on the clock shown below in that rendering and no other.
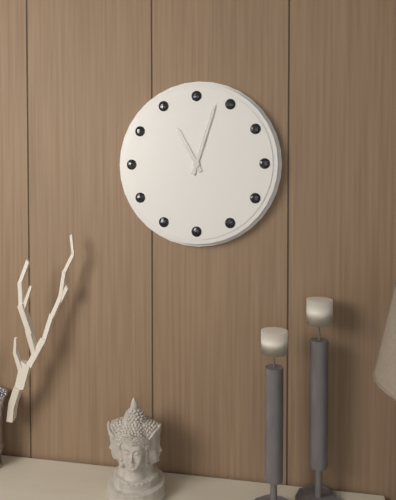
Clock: 11 h 03 min
